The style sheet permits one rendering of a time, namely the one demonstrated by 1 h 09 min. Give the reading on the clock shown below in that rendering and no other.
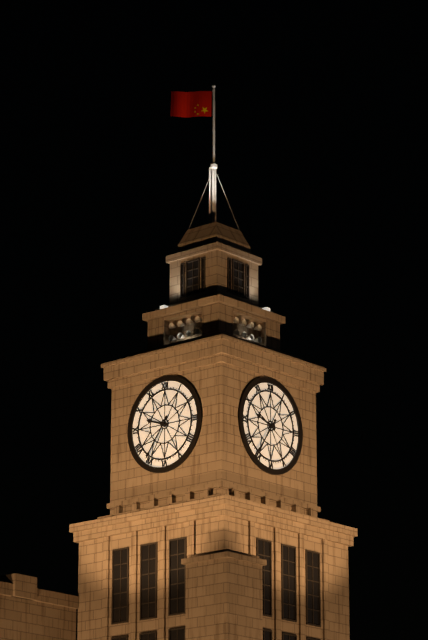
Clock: 9 h 36 min
